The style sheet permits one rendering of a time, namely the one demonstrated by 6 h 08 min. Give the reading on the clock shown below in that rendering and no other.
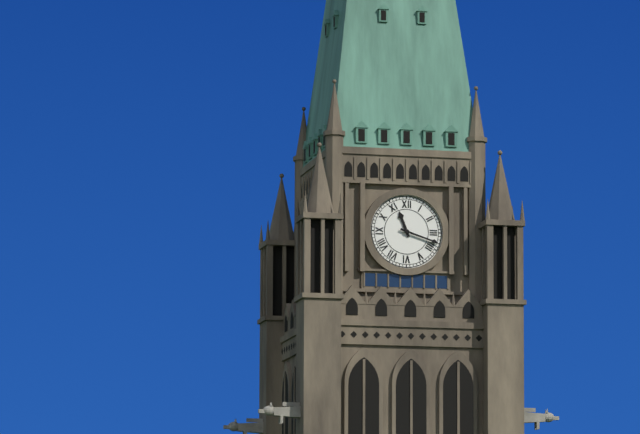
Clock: 11 h 18 min
